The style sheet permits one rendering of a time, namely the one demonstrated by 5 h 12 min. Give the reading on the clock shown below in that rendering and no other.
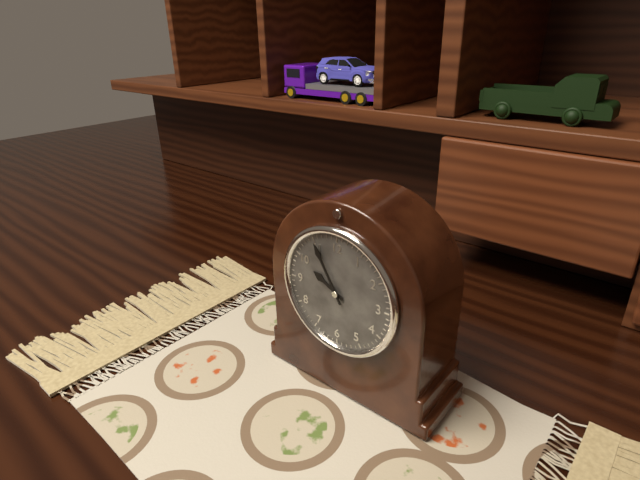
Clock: 9 h 55 min
